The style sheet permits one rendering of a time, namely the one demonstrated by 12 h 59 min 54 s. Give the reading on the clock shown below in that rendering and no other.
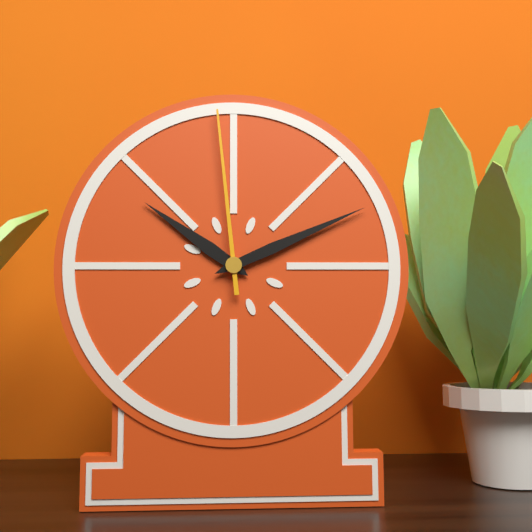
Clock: 10 h 11 min 59 s
